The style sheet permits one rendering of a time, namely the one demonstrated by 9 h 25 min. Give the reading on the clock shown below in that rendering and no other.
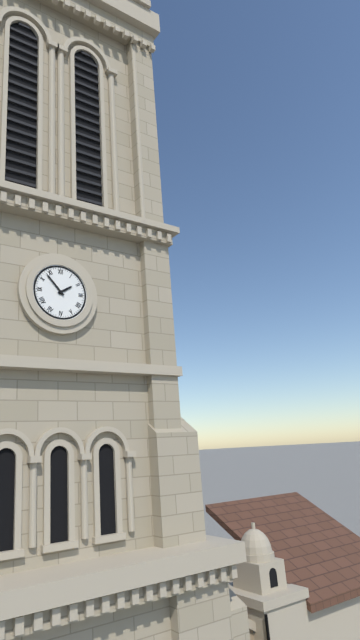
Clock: 1 h 53 min
